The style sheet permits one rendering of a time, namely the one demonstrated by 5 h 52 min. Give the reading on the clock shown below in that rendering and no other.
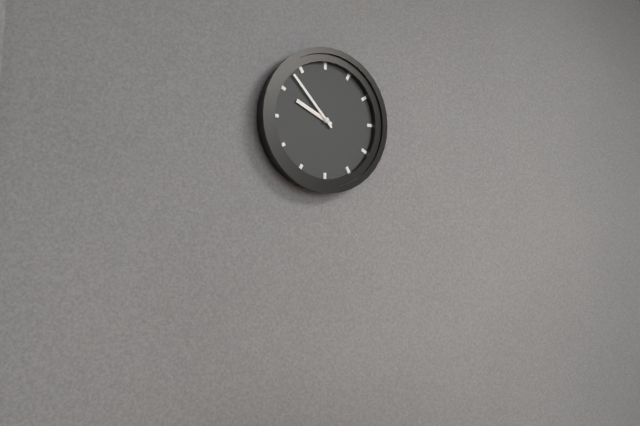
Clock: 9 h 53 min
